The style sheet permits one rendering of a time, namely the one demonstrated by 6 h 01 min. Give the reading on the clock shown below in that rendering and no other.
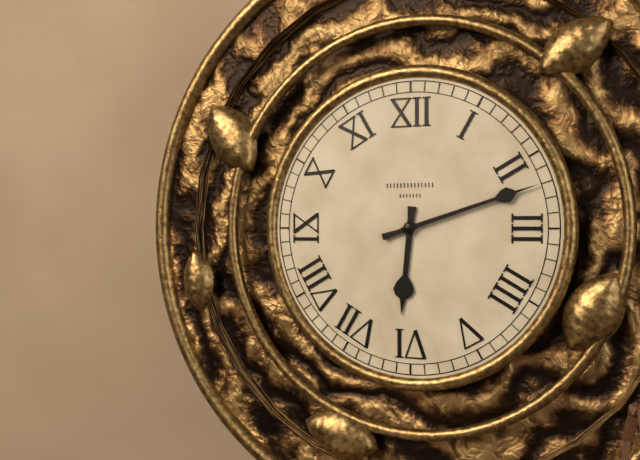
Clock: 6 h 12 min
